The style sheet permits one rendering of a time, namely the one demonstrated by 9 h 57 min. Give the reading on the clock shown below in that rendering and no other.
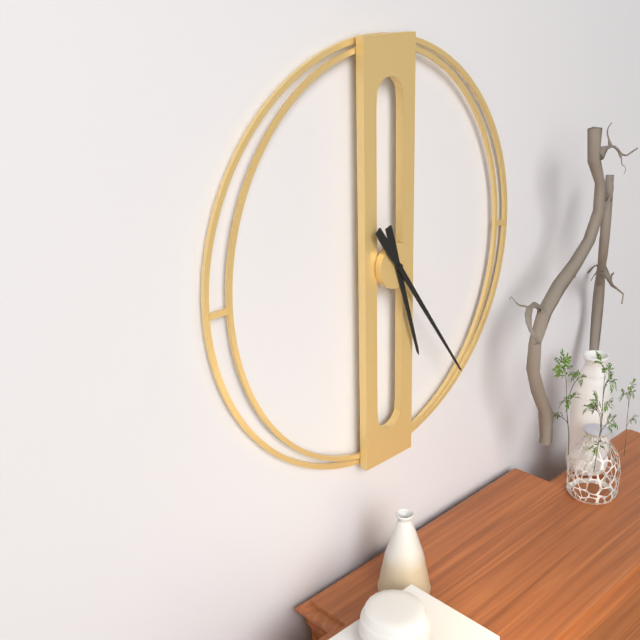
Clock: 5 h 24 min
